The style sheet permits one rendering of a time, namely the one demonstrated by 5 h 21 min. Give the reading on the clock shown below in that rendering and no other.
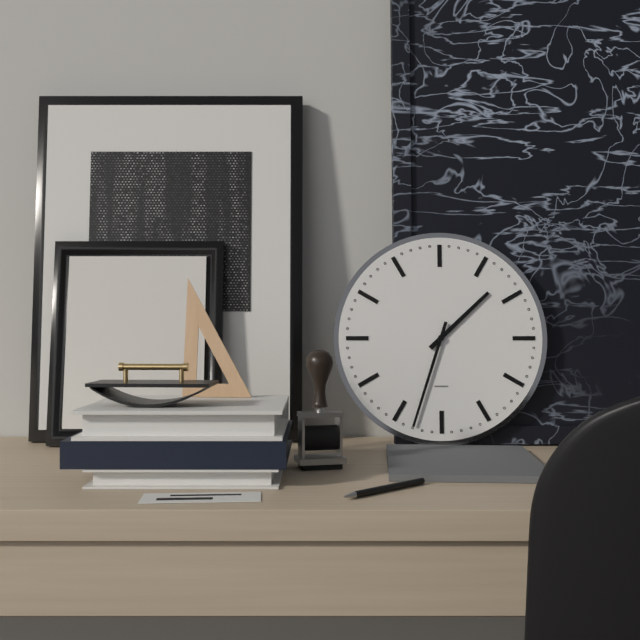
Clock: 1 h 33 min
